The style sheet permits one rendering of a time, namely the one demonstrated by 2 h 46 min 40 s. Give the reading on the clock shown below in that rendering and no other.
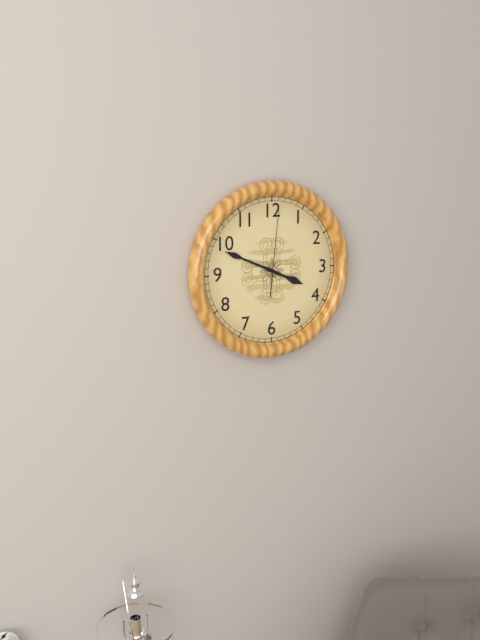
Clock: 3 h 49 min 01 s
